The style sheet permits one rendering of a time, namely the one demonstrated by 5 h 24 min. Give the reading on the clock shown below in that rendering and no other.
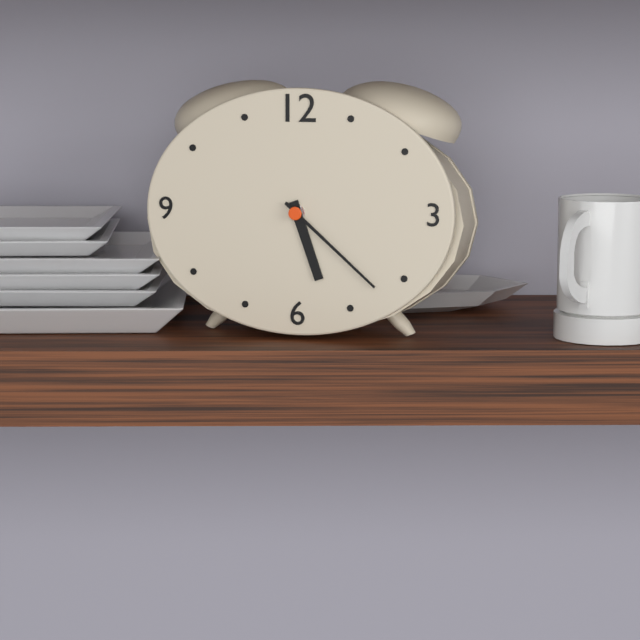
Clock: 5 h 22 min
